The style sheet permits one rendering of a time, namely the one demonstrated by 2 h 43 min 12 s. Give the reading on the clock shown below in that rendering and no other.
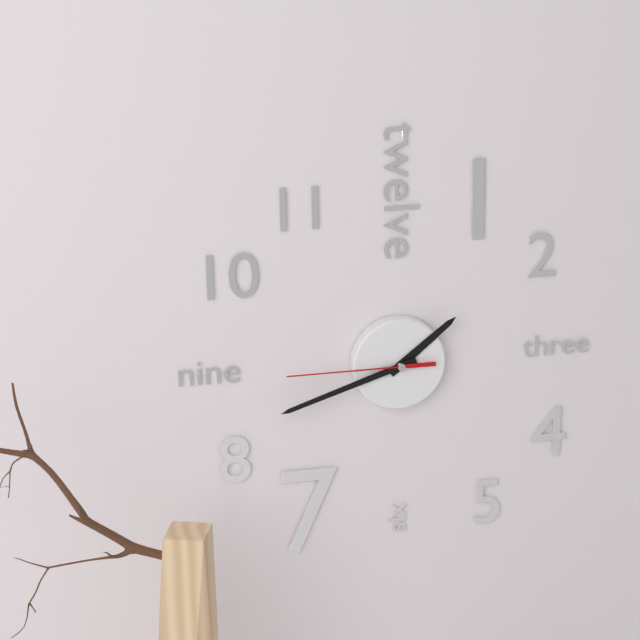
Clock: 1 h 42 min 45 s
